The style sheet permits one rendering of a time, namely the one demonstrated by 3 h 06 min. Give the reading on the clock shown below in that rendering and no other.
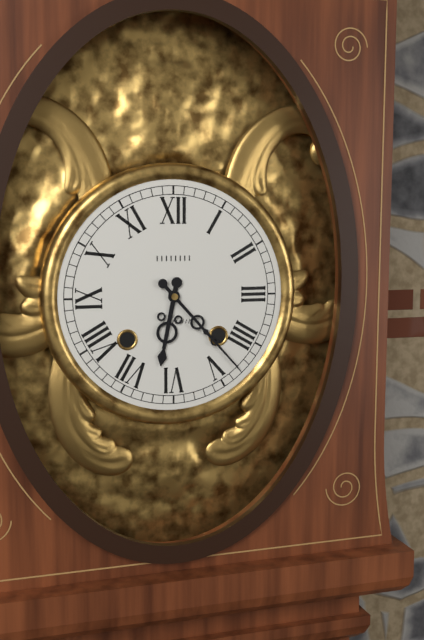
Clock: 6 h 23 min
